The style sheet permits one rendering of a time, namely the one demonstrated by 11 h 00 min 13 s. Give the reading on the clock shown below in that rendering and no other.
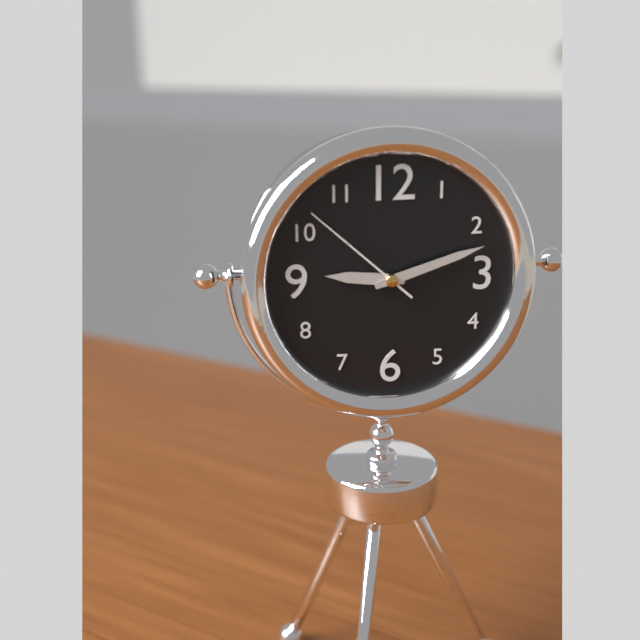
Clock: 9 h 12 min 52 s
